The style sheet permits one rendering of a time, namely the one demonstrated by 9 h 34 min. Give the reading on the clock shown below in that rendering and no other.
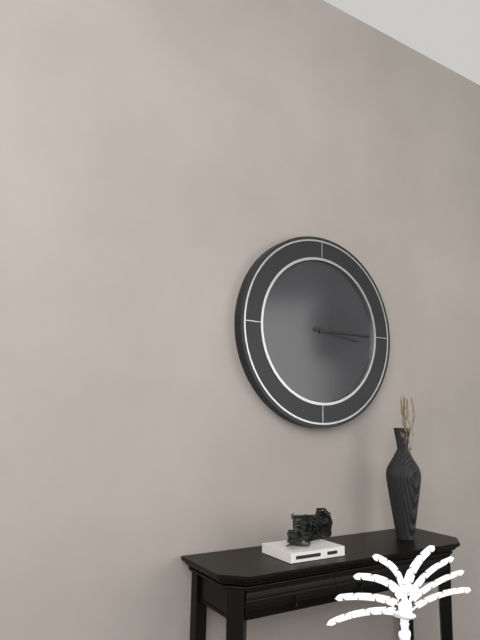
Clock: 3 h 15 min
